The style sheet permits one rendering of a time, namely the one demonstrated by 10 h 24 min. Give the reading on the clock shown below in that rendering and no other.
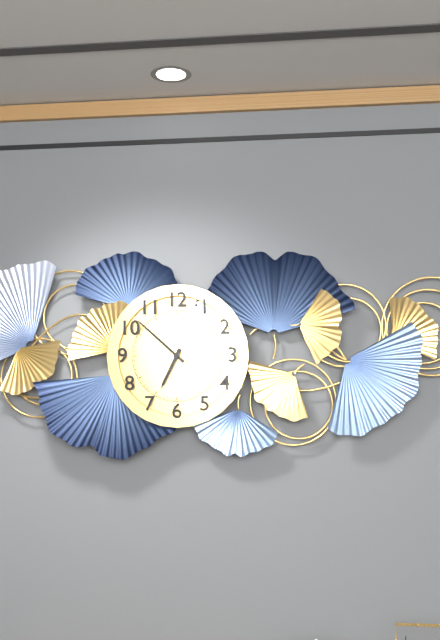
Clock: 6 h 52 min
